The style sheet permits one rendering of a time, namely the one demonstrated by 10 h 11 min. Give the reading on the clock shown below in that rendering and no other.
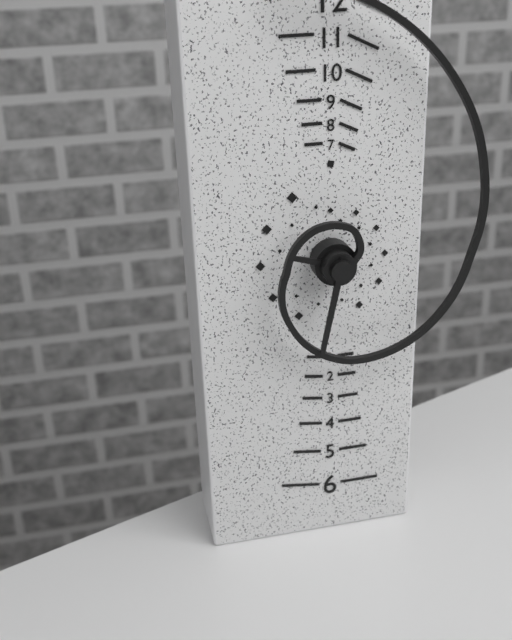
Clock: 9 h 32 min
